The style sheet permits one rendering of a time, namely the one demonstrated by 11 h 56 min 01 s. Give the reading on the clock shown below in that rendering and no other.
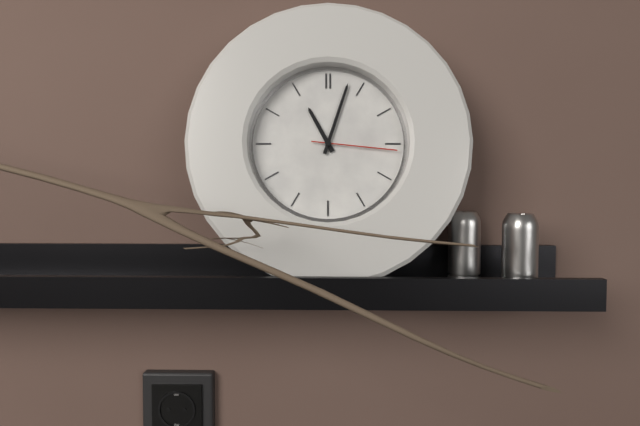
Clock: 11 h 03 min 16 s
